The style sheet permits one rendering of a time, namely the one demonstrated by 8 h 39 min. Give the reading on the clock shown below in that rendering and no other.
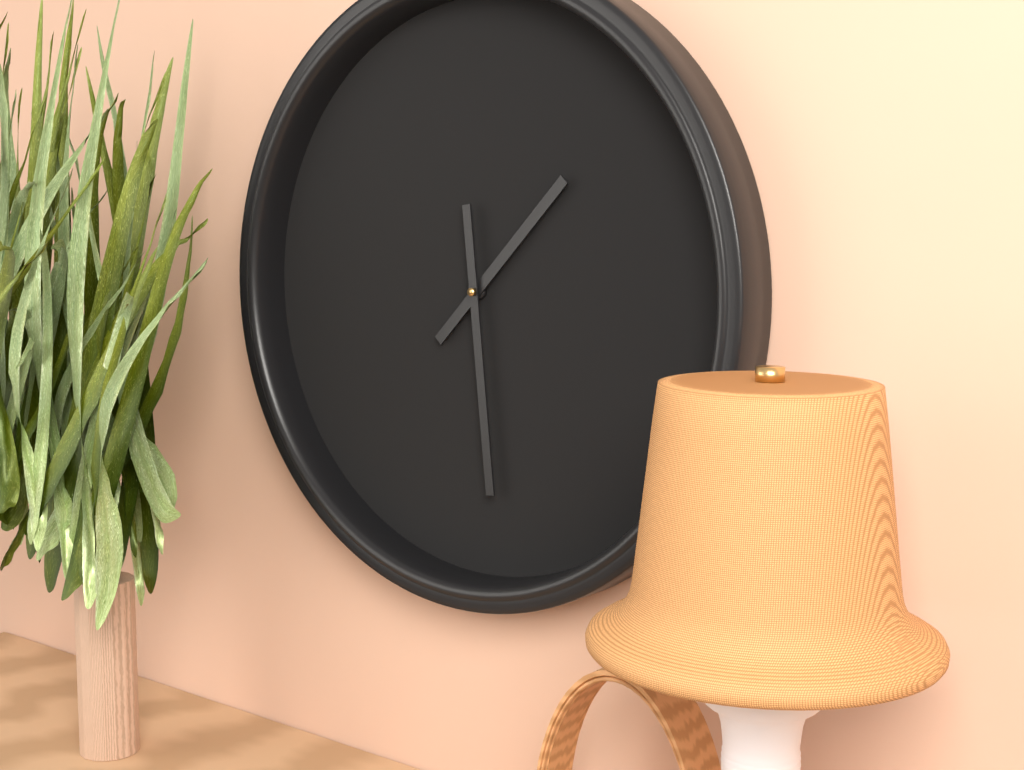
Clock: 1 h 29 min
